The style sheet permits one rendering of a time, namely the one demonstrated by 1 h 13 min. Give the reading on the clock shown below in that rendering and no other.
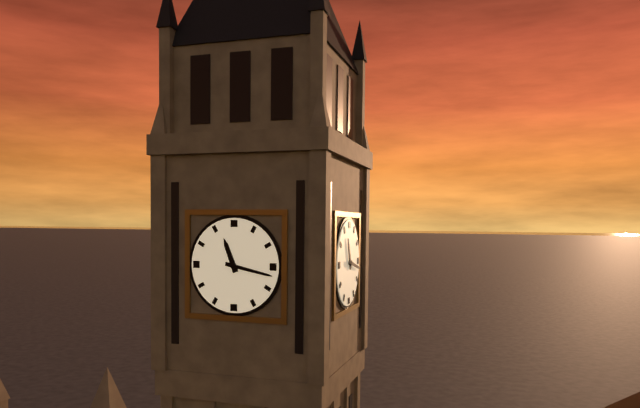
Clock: 11 h 17 min
